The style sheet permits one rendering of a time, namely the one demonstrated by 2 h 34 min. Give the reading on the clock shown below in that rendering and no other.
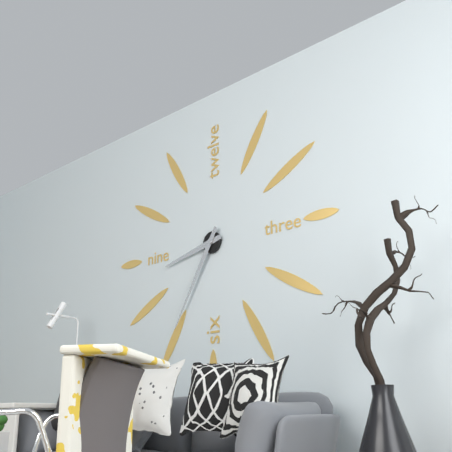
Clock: 8 h 35 min
